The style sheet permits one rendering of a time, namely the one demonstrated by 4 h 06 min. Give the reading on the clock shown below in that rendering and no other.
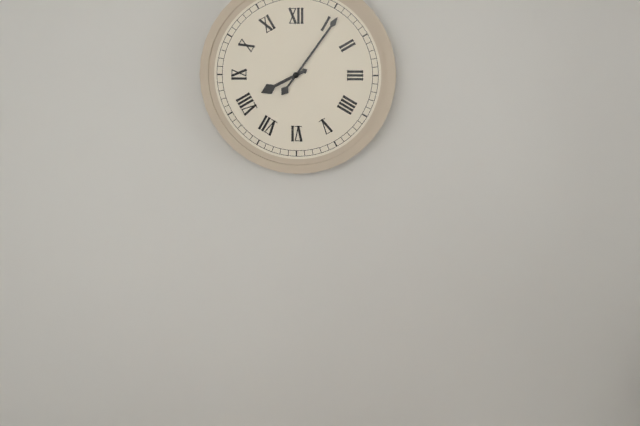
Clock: 8 h 06 min
